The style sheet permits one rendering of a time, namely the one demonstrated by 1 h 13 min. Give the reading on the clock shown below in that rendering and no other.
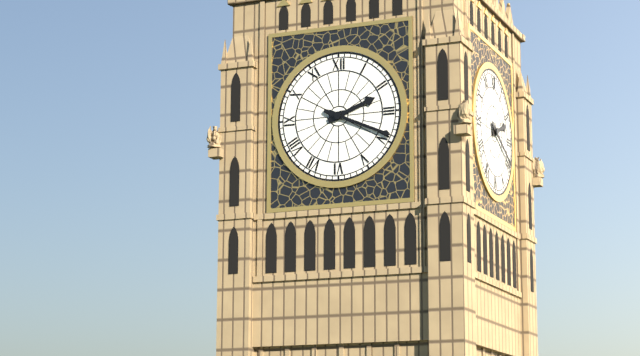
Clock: 2 h 19 min
